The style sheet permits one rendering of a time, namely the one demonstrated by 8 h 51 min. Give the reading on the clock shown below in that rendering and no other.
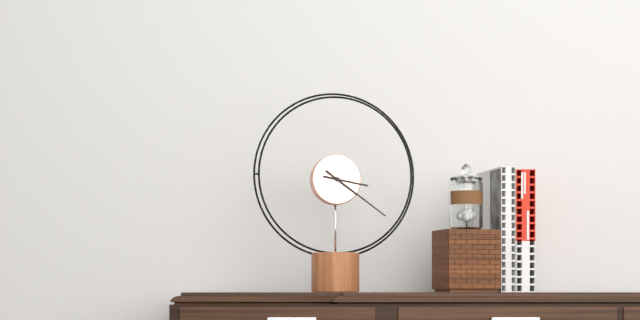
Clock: 3 h 21 min
